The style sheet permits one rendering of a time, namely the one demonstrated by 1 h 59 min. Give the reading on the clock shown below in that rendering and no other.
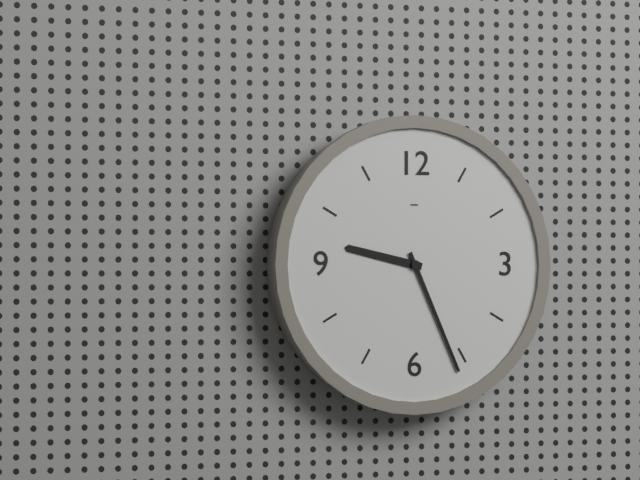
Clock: 9 h 26 min
